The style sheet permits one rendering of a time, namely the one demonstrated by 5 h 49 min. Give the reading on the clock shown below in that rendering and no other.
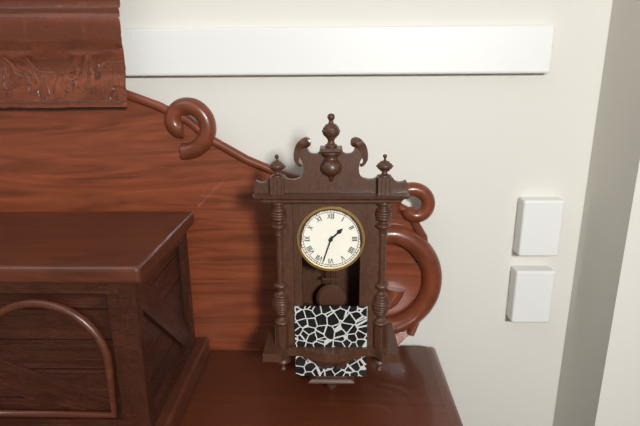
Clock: 1 h 33 min
